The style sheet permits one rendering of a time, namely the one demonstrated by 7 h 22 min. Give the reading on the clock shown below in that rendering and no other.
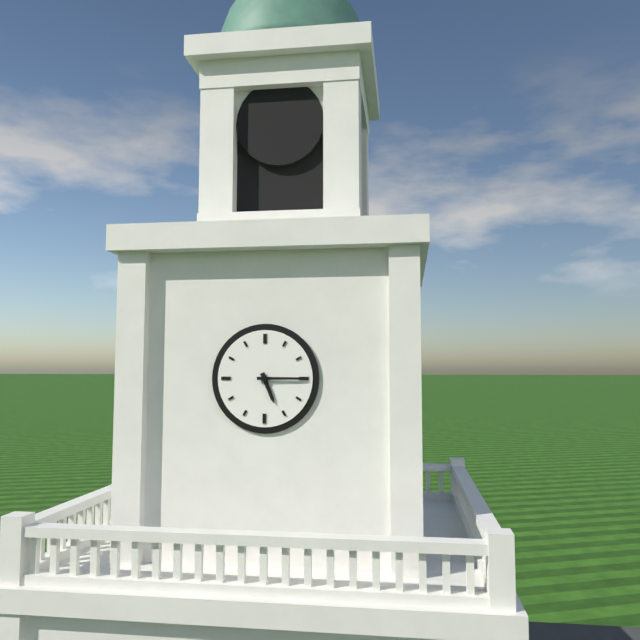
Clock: 5 h 15 min
